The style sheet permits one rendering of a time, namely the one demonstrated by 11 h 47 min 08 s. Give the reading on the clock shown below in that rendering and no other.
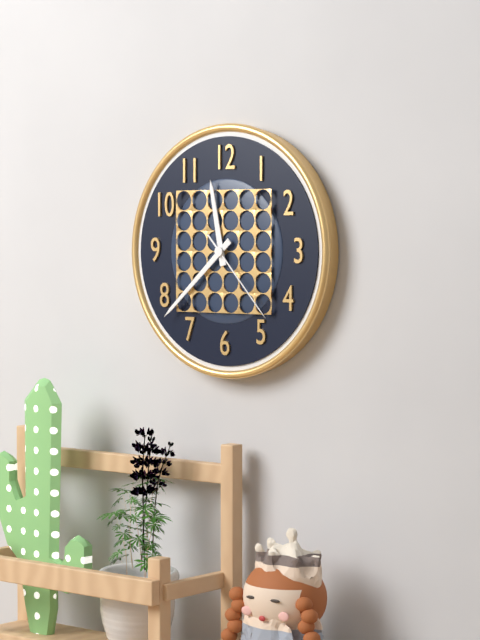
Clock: 11 h 38 min 23 s
